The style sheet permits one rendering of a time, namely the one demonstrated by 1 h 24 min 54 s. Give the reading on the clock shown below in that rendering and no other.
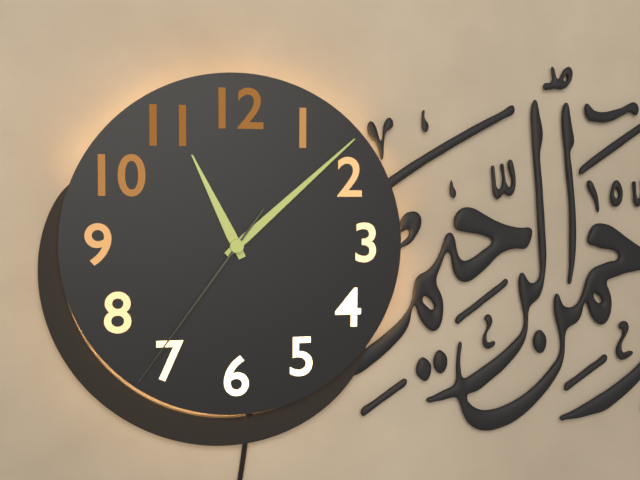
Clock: 11 h 08 min 36 s
